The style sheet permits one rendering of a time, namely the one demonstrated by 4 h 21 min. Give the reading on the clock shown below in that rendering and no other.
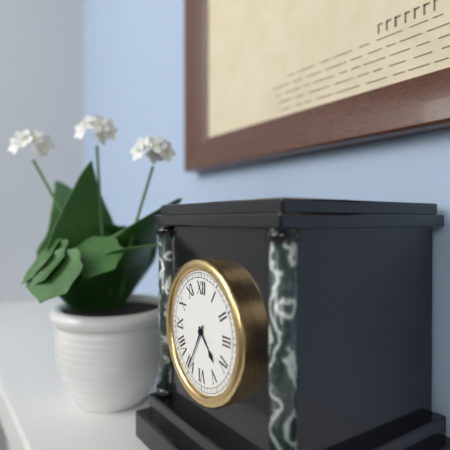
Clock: 4 h 35 min
